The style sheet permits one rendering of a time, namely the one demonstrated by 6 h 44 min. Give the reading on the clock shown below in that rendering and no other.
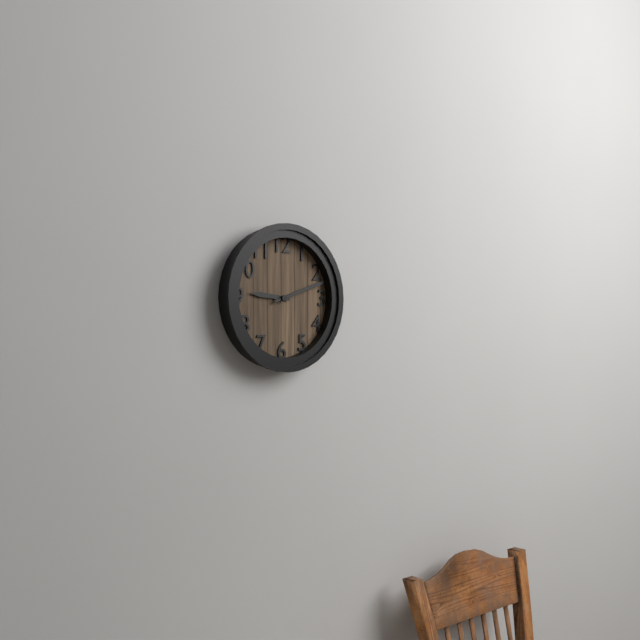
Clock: 9 h 12 min
